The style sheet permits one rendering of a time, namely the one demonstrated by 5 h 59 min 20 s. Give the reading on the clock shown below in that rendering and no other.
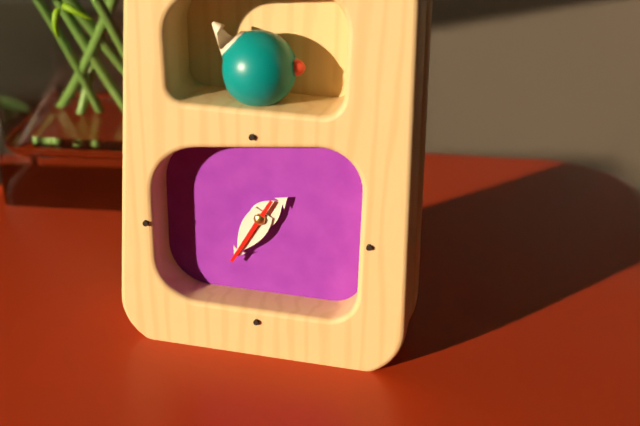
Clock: 1 h 35 min 35 s
